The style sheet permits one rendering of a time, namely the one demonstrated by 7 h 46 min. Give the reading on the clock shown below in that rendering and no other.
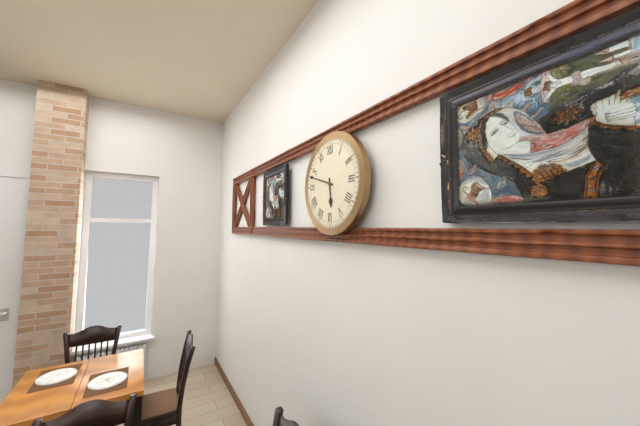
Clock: 5 h 48 min
